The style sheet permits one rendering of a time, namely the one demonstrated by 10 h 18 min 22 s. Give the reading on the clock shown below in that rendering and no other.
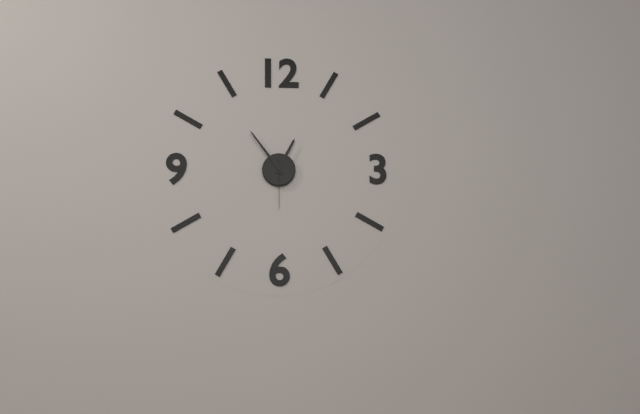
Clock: 12 h 54 min 30 s
